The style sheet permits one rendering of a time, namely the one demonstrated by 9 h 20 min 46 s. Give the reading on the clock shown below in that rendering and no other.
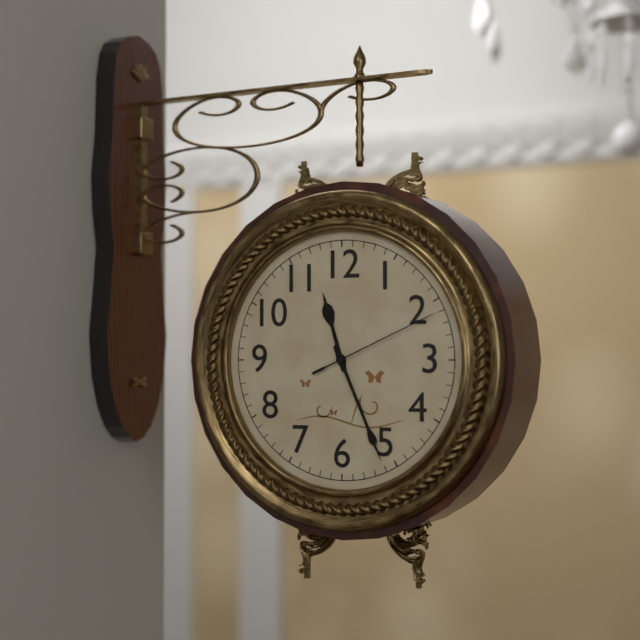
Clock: 11 h 26 min 11 s
